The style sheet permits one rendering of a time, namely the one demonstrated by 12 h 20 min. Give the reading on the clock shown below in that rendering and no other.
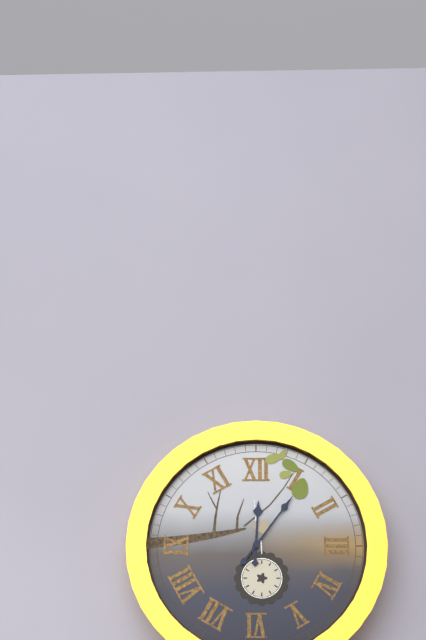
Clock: 12 h 06 min
